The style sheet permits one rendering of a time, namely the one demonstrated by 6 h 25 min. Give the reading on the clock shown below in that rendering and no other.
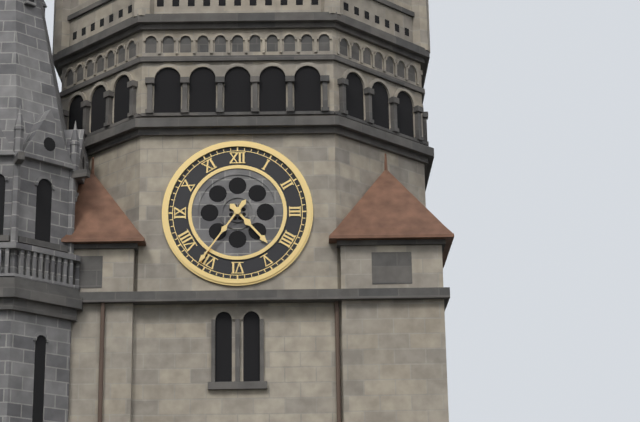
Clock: 4 h 36 min
